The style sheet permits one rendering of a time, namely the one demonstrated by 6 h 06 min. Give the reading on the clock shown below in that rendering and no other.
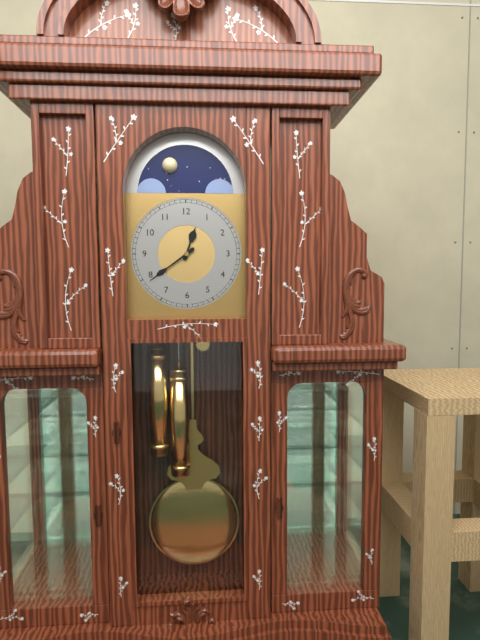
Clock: 12 h 39 min
